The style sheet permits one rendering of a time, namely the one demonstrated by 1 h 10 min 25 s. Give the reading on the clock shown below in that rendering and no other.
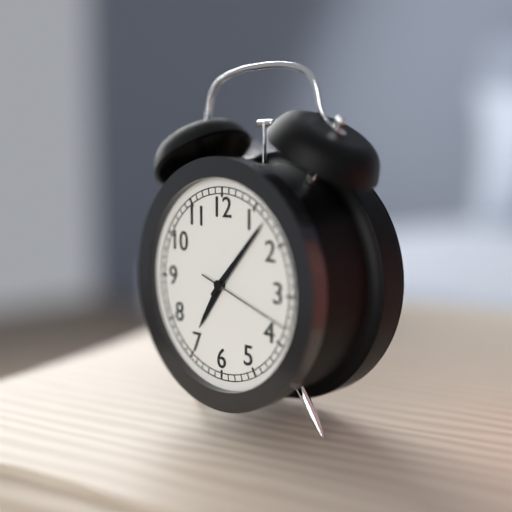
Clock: 7 h 07 min 18 s
